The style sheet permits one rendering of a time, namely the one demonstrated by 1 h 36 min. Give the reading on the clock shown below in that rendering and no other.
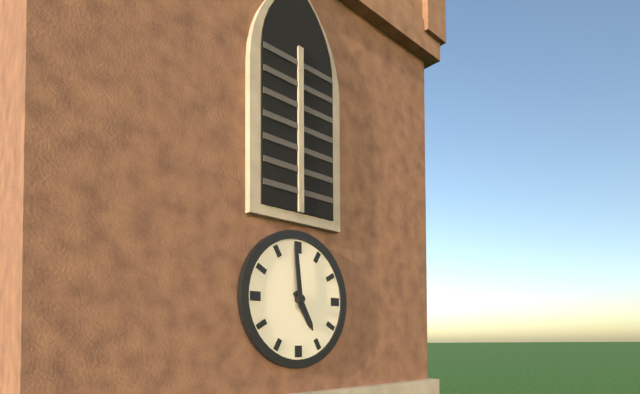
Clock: 4 h 59 min
